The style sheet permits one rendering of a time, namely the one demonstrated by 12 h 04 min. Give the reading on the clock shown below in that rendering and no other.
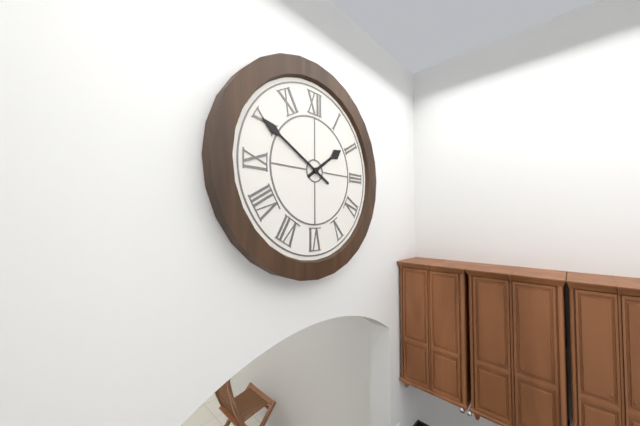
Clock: 1 h 50 min
